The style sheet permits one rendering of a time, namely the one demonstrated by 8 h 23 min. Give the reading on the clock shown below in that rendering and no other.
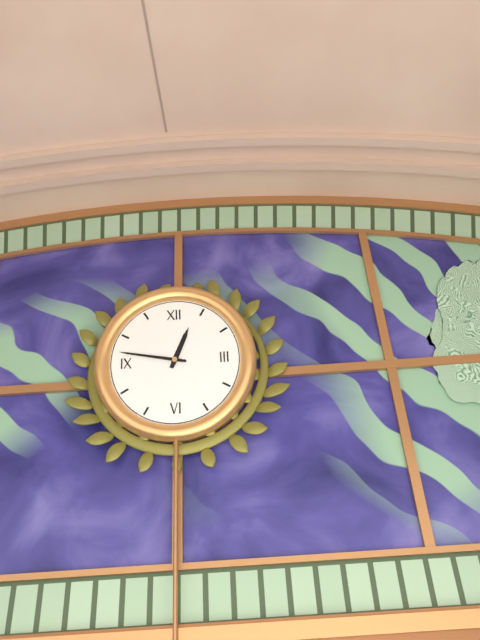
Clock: 12 h 47 min
